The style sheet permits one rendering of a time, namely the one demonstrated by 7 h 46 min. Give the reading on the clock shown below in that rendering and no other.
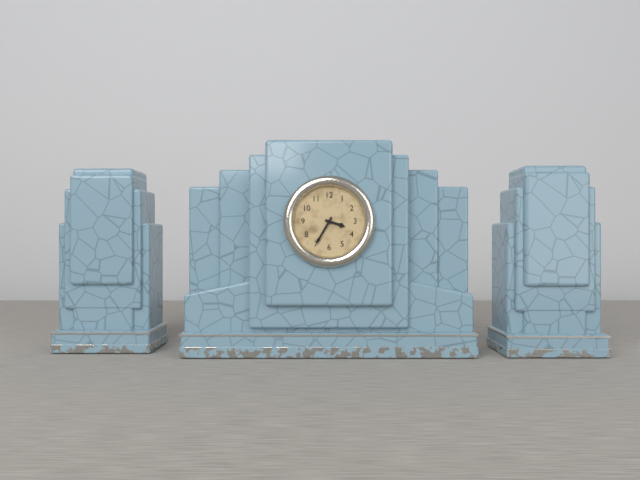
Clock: 3 h 35 min
